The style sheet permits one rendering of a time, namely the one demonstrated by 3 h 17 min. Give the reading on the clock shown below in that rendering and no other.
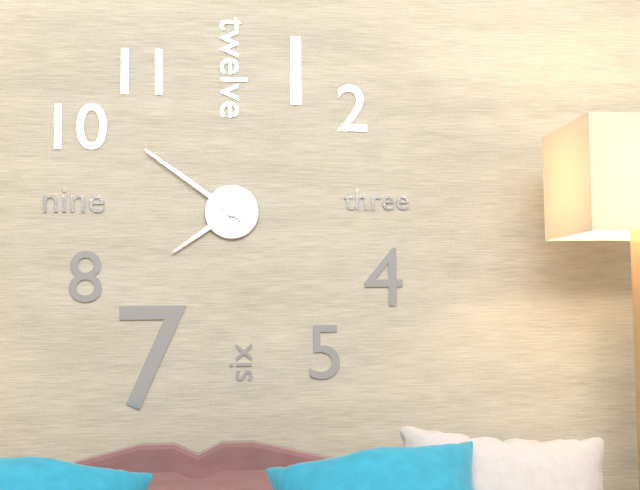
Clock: 7 h 51 min
